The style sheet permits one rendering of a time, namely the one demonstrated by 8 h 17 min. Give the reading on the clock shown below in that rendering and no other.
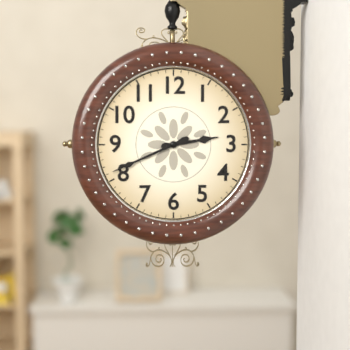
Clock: 2 h 41 min
